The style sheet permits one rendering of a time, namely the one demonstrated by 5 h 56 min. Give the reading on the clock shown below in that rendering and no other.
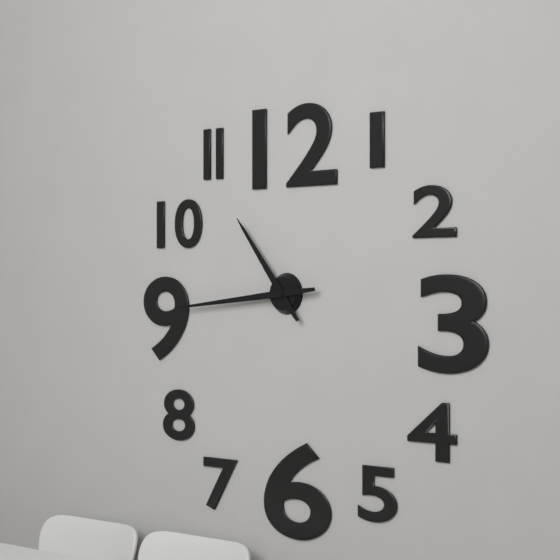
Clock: 10 h 44 min
